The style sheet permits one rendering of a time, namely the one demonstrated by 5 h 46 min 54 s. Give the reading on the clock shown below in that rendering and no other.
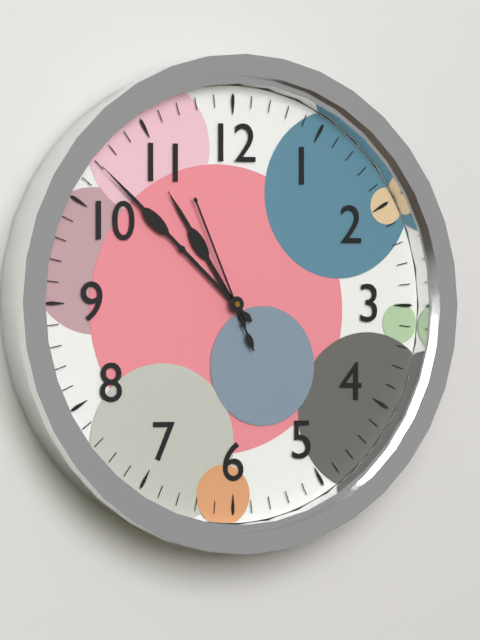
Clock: 10 h 52 min 56 s
